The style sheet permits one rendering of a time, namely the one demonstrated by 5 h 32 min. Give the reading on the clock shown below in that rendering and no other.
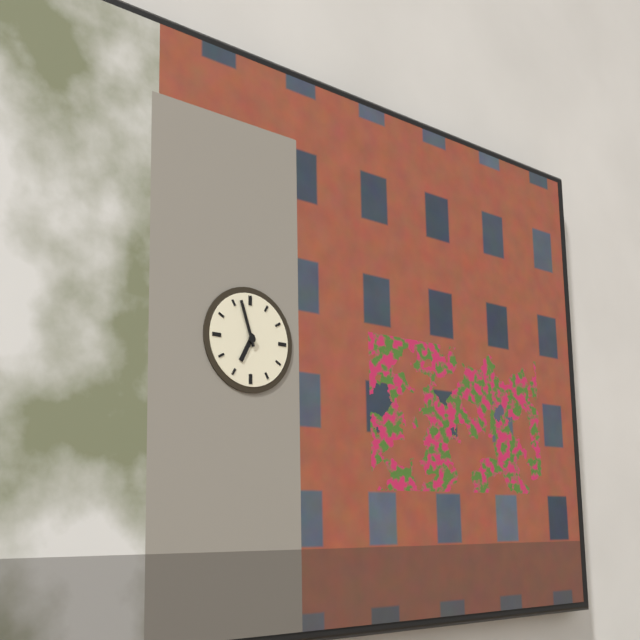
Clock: 6 h 57 min
